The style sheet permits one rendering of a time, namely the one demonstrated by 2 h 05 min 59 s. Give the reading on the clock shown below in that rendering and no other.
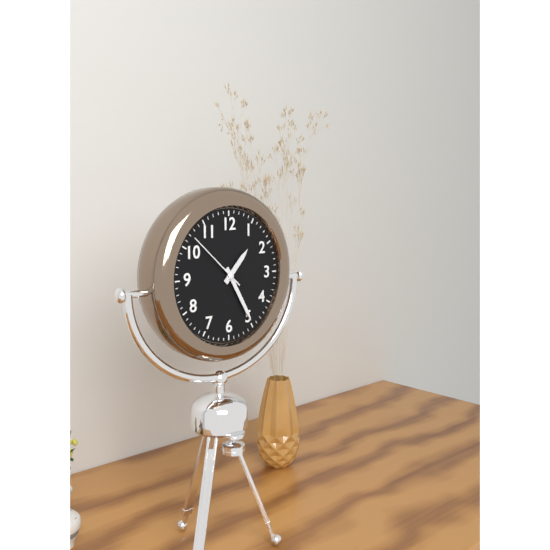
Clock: 1 h 25 min 52 s
